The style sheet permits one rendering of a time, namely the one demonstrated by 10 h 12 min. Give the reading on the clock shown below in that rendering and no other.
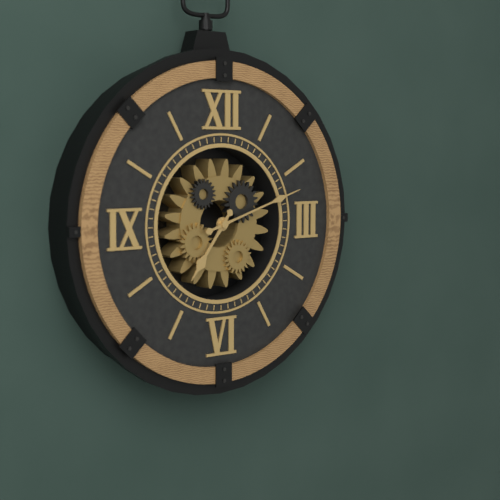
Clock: 7 h 12 min
